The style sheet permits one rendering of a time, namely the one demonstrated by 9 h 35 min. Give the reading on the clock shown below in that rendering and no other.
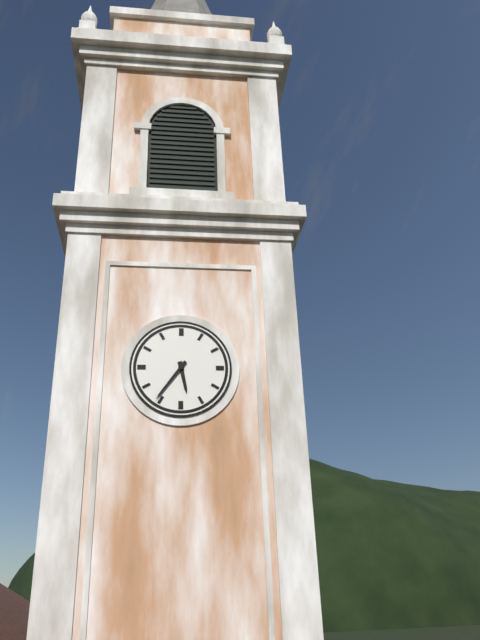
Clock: 5 h 36 min
